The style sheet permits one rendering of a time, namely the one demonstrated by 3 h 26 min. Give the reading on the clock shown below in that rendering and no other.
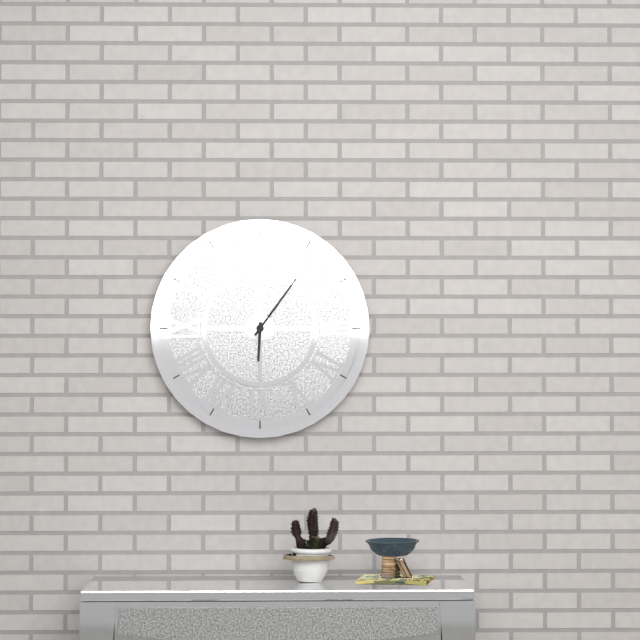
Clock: 6 h 06 min
